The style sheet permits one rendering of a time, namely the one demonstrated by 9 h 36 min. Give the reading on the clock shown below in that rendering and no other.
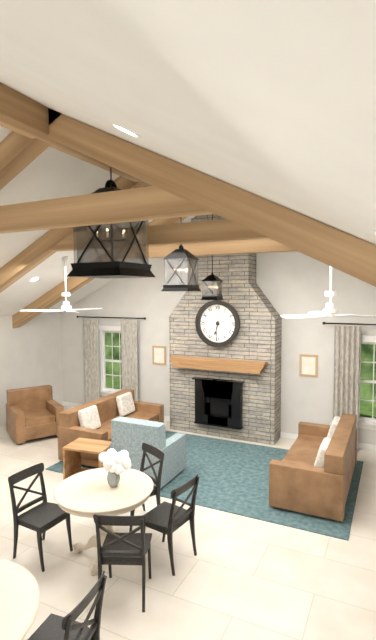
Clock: 6 h 31 min
